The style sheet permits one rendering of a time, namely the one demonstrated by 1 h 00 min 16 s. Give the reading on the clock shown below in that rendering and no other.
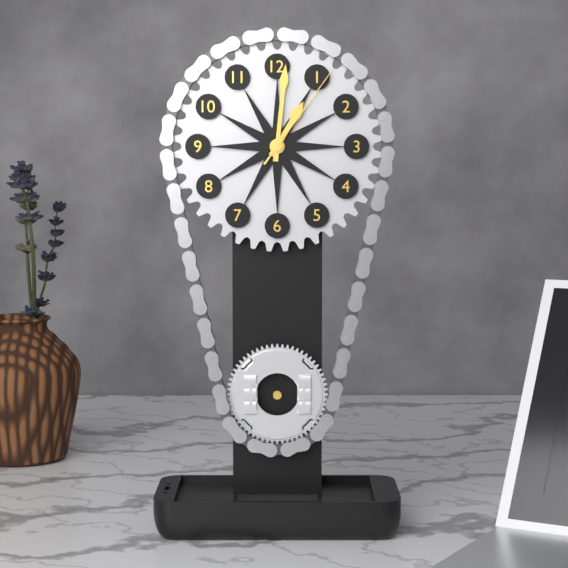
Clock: 1 h 01 min 06 s
